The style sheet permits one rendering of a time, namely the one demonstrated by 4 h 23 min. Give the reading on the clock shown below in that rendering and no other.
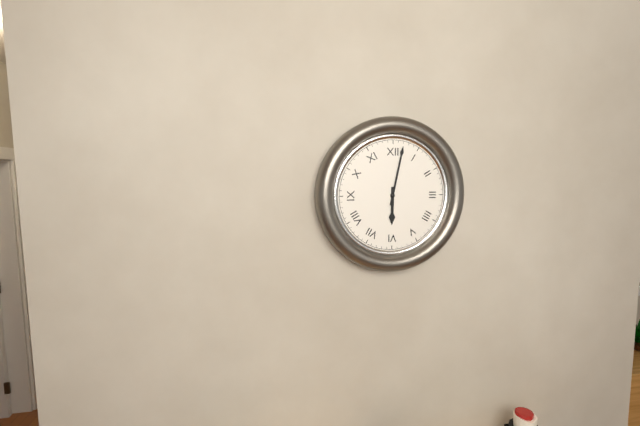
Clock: 6 h 02 min
